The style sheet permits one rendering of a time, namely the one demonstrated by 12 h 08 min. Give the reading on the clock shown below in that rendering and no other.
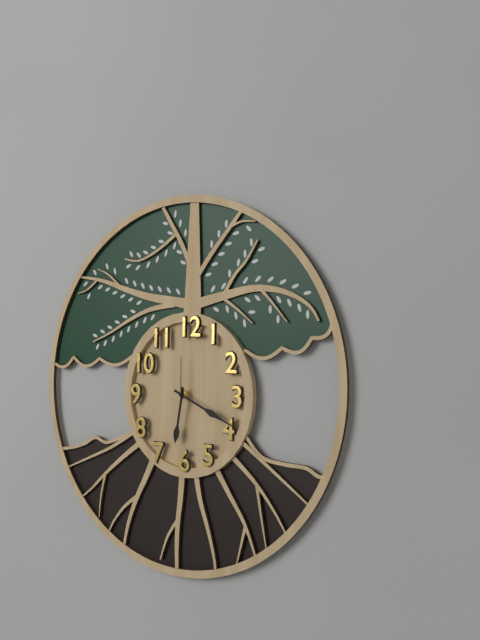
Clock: 6 h 19 min
